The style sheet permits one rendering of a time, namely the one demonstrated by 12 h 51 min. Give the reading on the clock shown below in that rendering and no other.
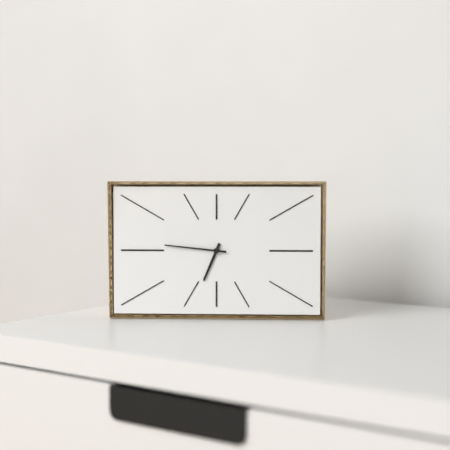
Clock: 6 h 46 min
